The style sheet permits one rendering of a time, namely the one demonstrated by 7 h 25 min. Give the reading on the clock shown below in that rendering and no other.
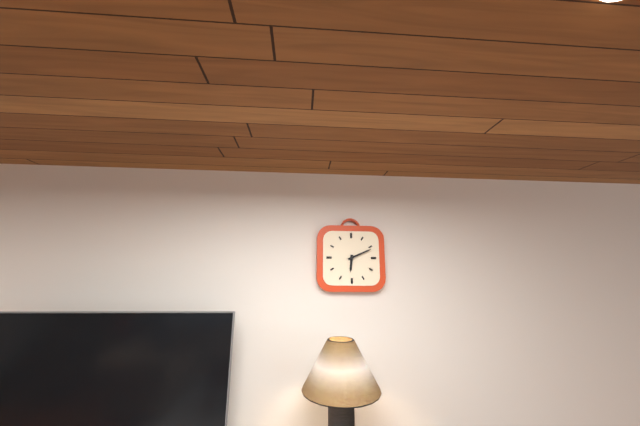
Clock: 6 h 11 min
